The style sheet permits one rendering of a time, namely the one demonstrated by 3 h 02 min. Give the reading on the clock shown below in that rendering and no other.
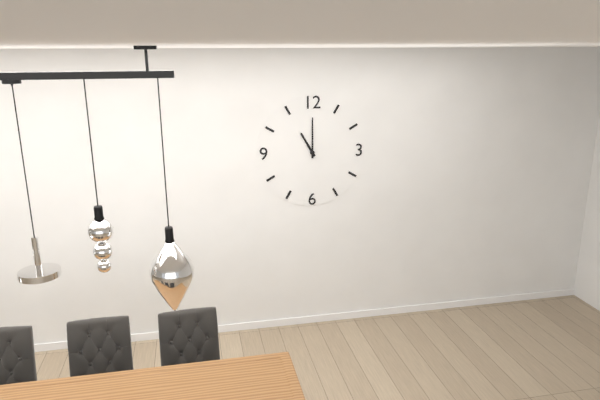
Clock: 11 h 00 min
